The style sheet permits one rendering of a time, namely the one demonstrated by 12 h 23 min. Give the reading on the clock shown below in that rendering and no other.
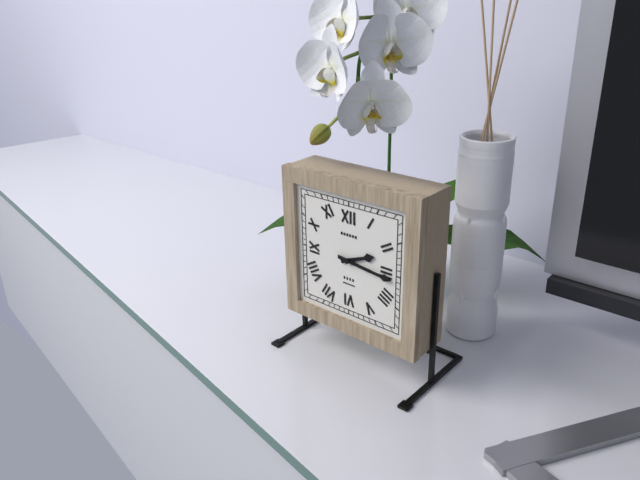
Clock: 2 h 16 min
